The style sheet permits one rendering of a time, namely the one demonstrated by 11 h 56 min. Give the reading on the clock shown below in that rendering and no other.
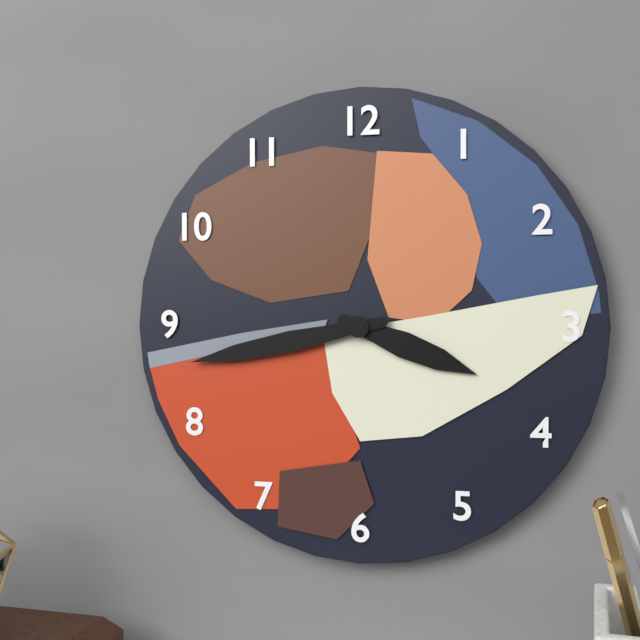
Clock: 3 h 43 min
